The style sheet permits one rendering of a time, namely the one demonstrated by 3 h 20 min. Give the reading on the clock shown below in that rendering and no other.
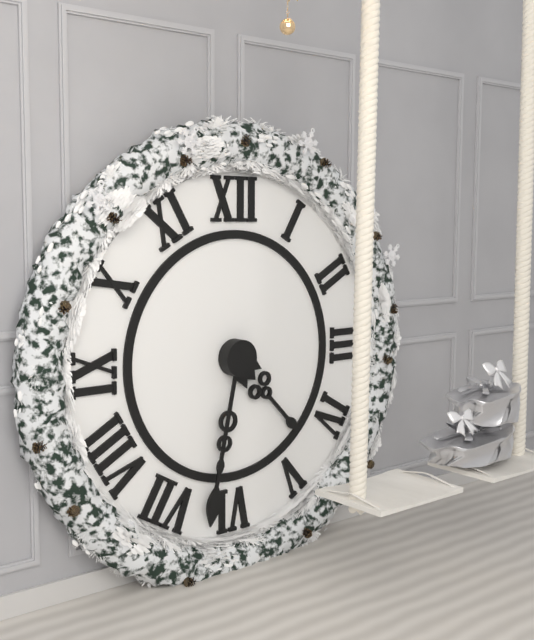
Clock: 4 h 32 min
